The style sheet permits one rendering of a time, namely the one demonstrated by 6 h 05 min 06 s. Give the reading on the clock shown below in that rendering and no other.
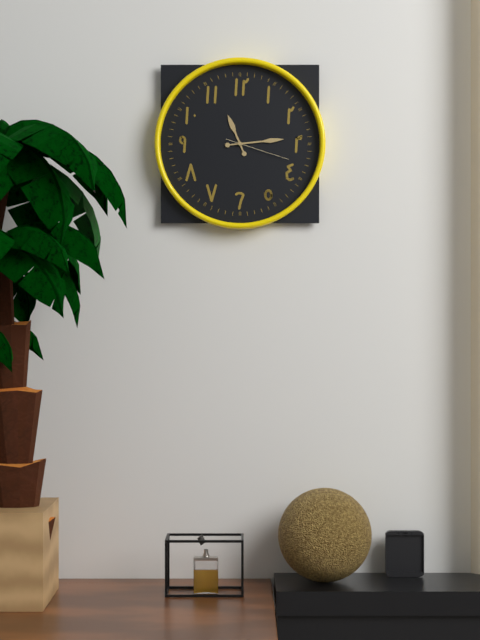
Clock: 11 h 14 min 18 s
